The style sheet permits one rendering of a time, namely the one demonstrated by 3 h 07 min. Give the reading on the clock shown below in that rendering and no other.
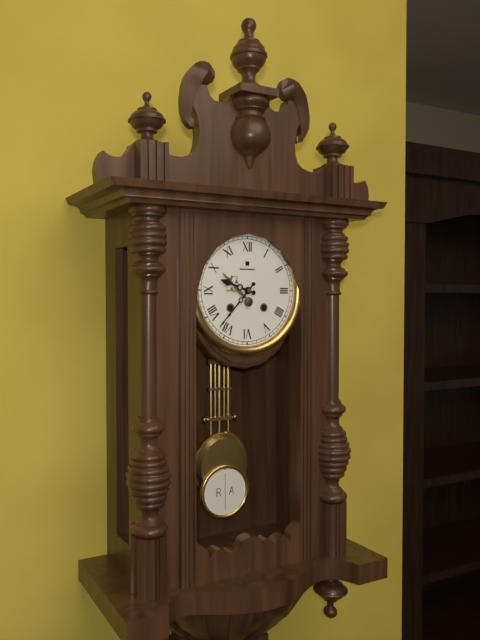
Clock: 9 h 37 min
